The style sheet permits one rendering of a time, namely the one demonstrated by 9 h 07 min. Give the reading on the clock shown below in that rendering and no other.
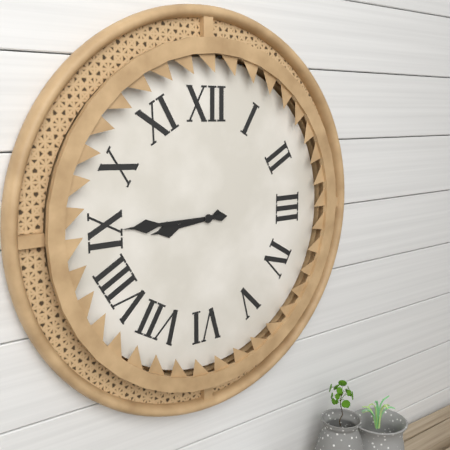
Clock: 8 h 45 min
